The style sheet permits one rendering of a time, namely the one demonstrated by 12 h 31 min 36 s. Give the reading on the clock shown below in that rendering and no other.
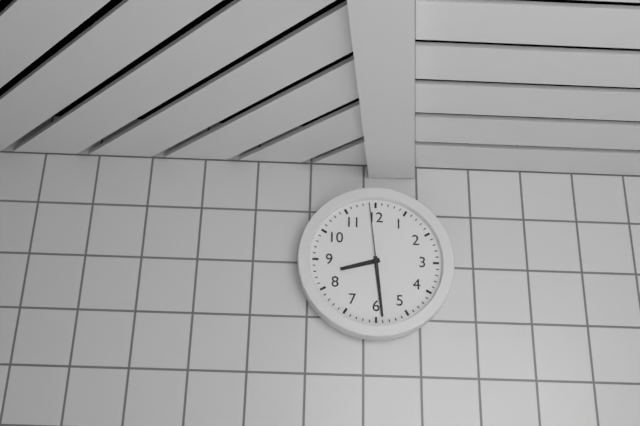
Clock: 8 h 29 min 59 s
